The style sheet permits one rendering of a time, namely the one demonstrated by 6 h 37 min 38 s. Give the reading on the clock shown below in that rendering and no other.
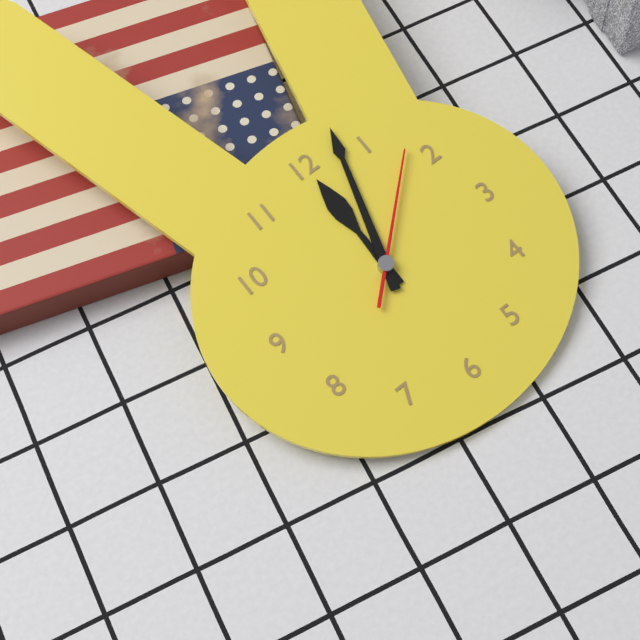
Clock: 12 h 03 min 08 s
